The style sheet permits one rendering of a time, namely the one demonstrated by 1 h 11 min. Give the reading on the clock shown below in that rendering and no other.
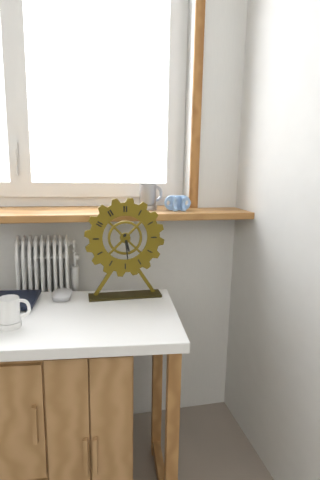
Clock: 5 h 29 min
